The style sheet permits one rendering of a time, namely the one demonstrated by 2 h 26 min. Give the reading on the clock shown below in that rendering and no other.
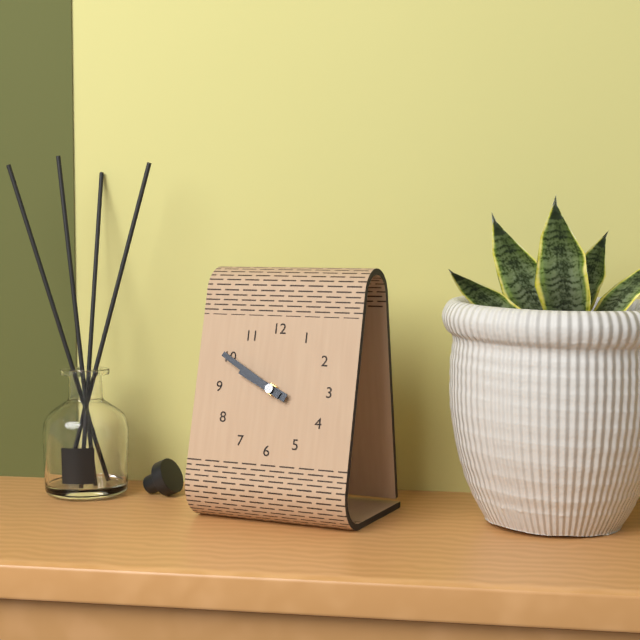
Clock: 9 h 50 min
